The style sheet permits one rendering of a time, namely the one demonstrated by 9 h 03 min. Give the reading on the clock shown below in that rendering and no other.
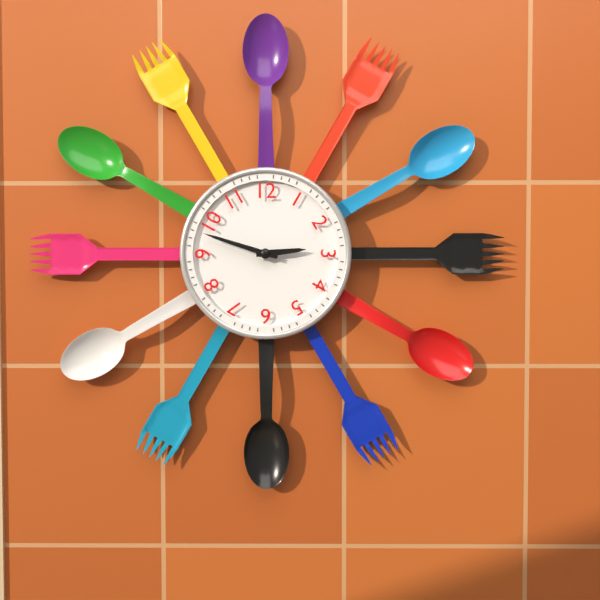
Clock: 2 h 48 min
